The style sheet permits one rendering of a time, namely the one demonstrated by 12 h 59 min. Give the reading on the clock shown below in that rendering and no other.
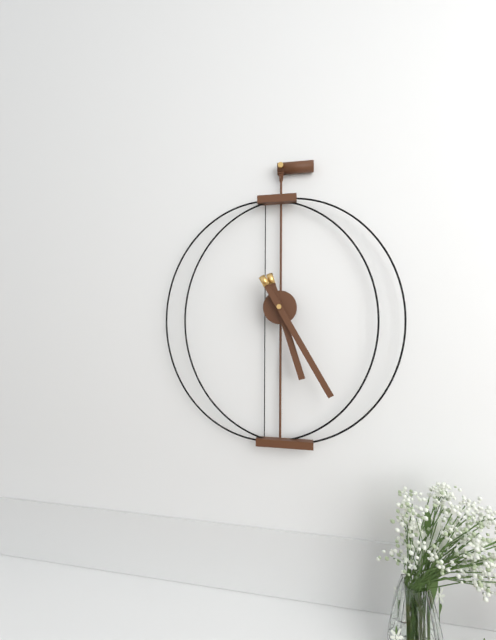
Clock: 5 h 25 min
